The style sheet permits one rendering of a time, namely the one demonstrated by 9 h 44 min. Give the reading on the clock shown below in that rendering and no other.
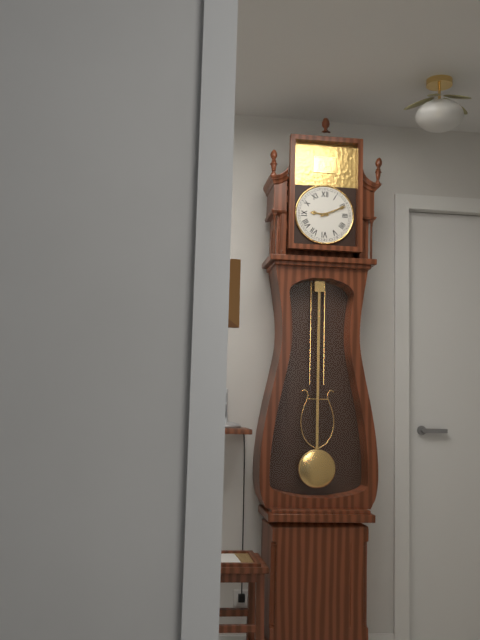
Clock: 9 h 11 min
